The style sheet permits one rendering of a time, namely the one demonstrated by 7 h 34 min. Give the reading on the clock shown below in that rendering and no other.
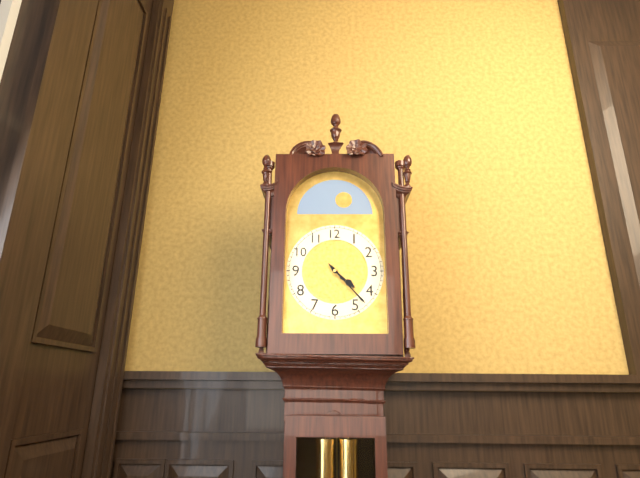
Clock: 4 h 23 min
